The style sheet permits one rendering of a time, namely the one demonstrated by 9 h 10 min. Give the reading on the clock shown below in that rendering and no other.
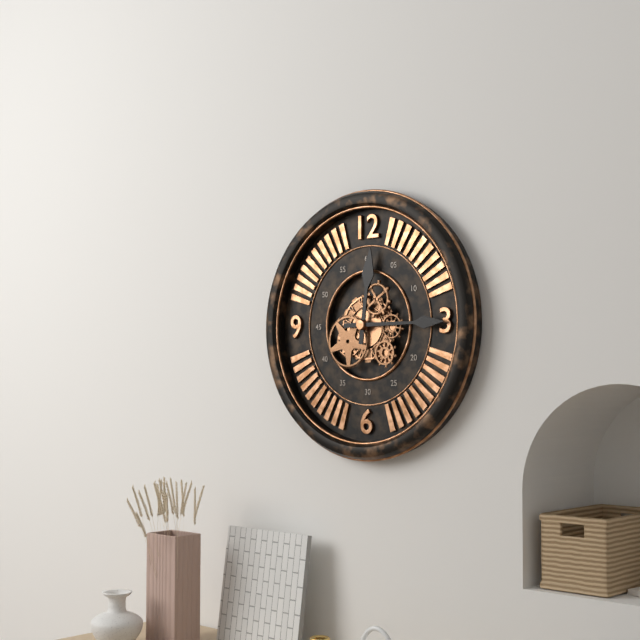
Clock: 12 h 15 min
